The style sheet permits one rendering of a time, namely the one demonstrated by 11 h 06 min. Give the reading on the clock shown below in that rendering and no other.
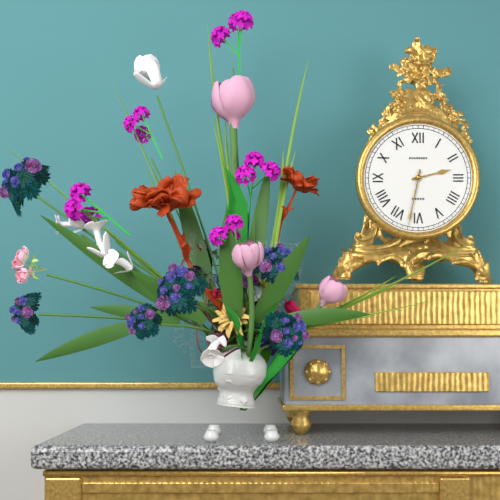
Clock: 2 h 32 min
